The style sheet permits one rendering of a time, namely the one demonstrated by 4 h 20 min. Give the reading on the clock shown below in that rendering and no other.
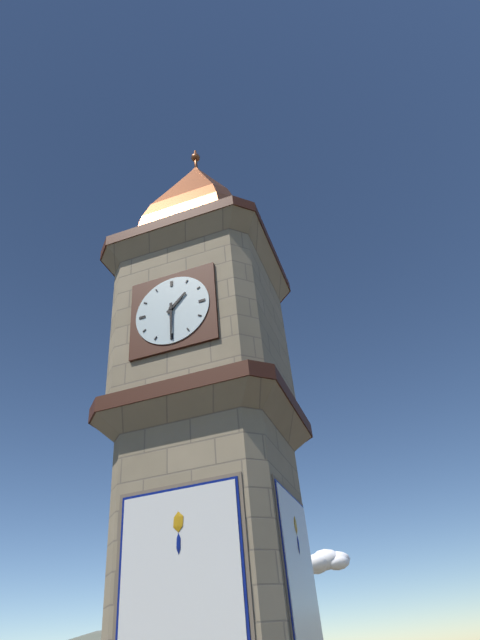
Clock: 1 h 30 min
